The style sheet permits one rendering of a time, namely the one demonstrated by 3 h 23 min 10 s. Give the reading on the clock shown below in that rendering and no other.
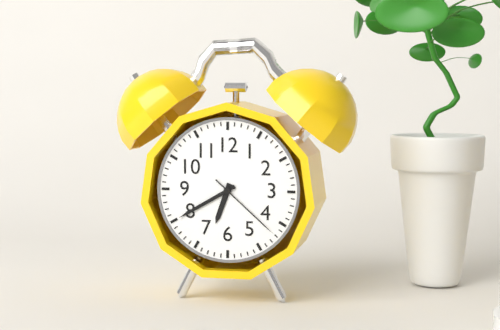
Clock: 6 h 40 min 22 s
